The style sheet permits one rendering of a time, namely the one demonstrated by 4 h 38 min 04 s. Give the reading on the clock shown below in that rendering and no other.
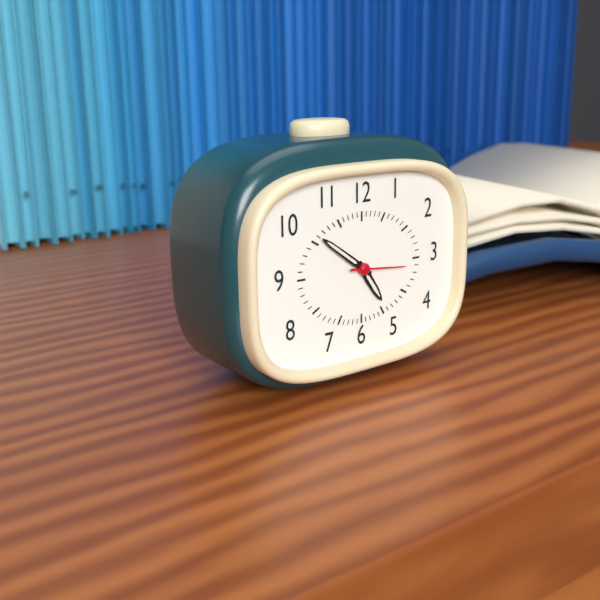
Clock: 4 h 51 min 16 s
